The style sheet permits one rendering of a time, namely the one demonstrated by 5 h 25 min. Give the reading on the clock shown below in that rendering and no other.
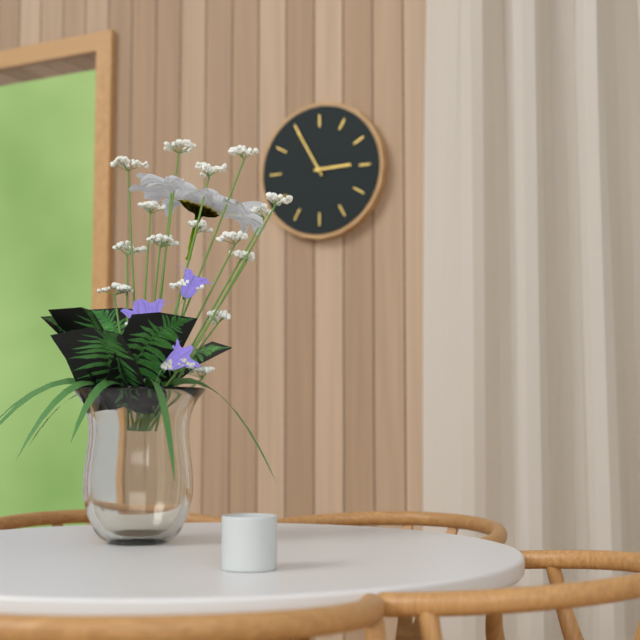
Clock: 2 h 55 min
